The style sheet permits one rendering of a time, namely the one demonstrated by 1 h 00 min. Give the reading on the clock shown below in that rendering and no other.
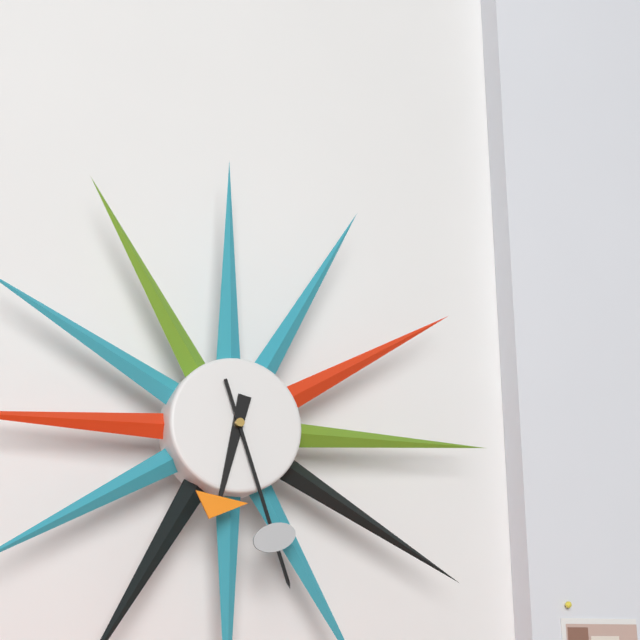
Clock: 6 h 27 min
